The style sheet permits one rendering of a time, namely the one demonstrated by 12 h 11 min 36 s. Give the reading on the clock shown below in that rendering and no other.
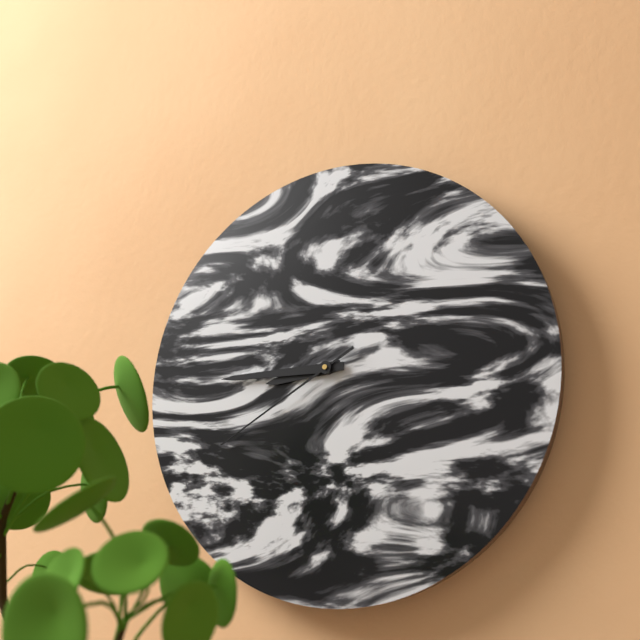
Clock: 8 h 45 min 40 s
